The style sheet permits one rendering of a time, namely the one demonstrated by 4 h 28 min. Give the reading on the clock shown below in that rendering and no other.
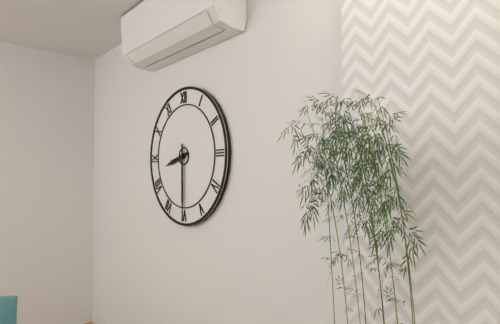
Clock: 8 h 30 min
